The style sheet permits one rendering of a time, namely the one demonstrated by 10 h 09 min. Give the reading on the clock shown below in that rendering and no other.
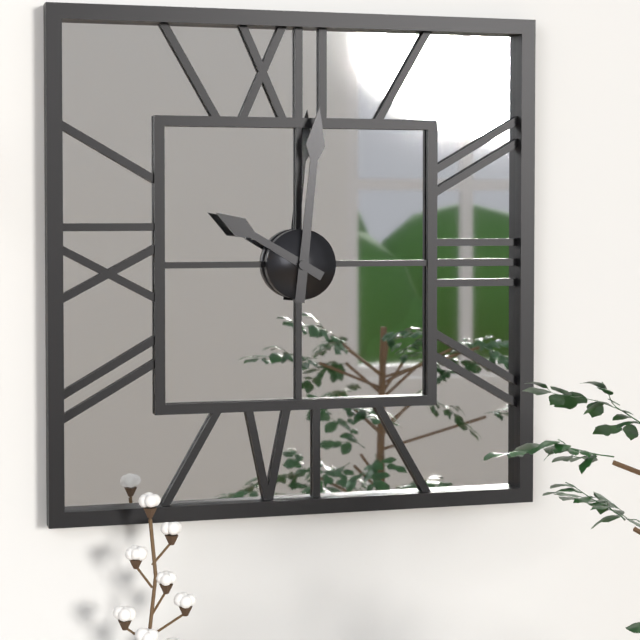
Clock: 10 h 01 min
